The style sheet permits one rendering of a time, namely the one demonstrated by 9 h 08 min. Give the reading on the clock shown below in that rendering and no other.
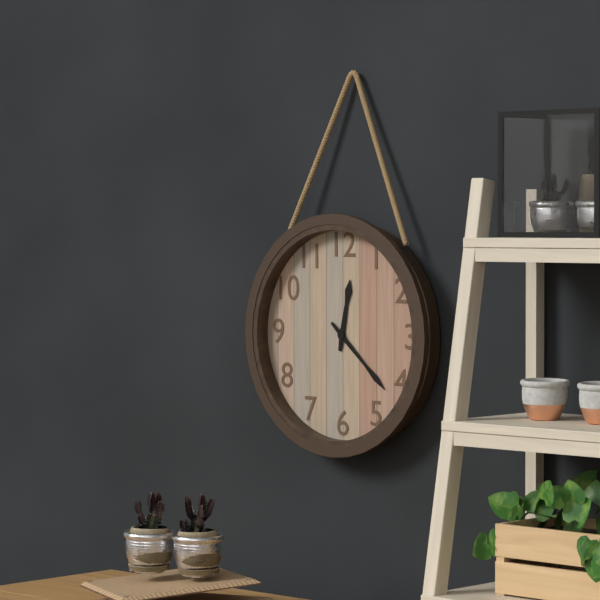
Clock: 12 h 22 min
